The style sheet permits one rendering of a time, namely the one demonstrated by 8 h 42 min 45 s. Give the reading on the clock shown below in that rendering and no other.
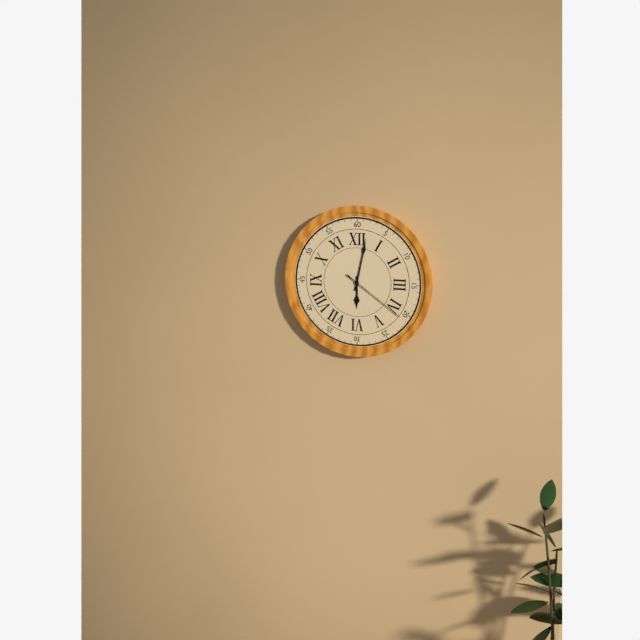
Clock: 6 h 02 min 21 s
